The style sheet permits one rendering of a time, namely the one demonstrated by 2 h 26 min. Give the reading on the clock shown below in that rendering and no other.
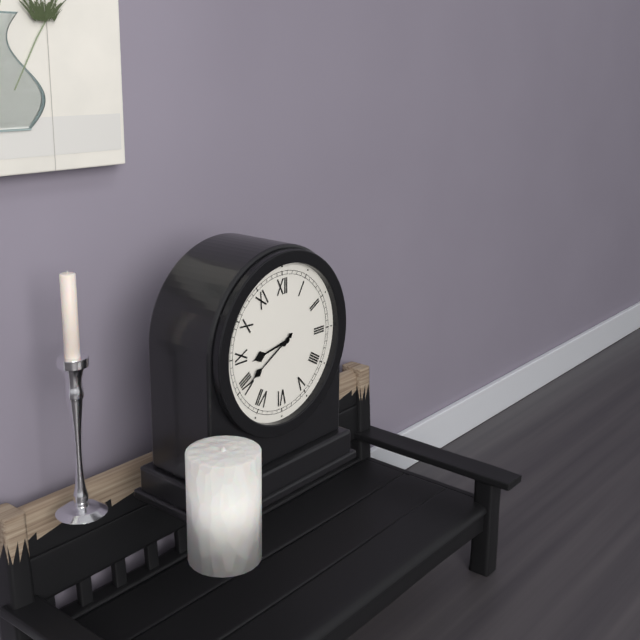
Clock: 8 h 40 min
